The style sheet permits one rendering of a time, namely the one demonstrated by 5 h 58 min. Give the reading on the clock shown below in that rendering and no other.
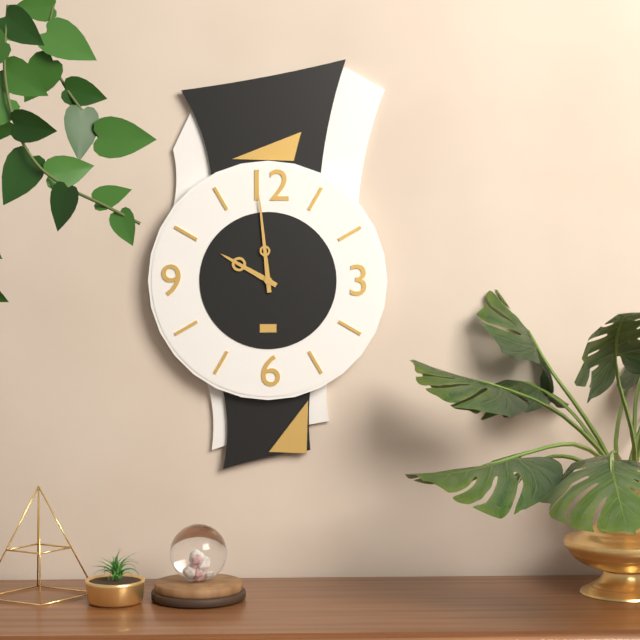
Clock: 9 h 59 min
